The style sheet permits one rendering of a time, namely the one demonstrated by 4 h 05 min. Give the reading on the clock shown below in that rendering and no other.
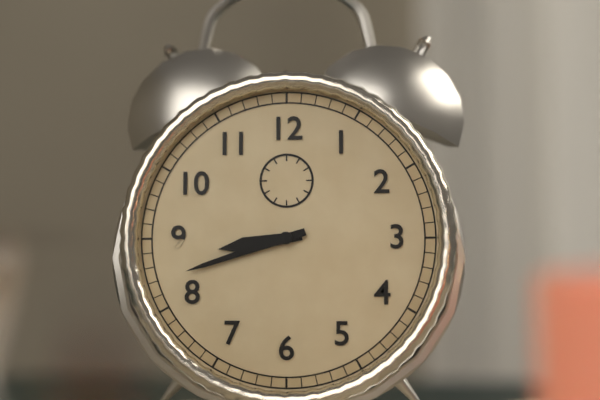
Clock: 8 h 42 min
